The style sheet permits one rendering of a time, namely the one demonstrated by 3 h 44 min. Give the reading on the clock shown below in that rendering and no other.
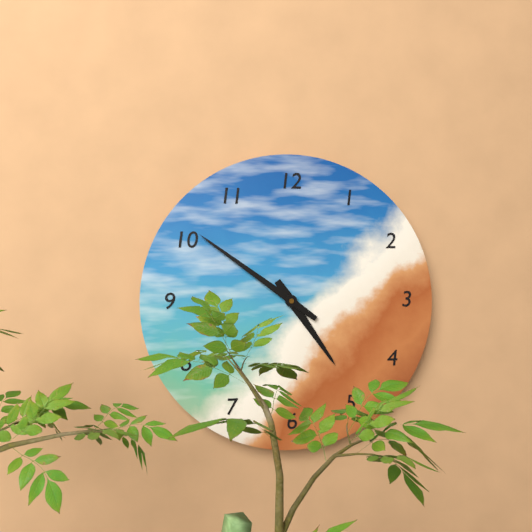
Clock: 4 h 51 min
